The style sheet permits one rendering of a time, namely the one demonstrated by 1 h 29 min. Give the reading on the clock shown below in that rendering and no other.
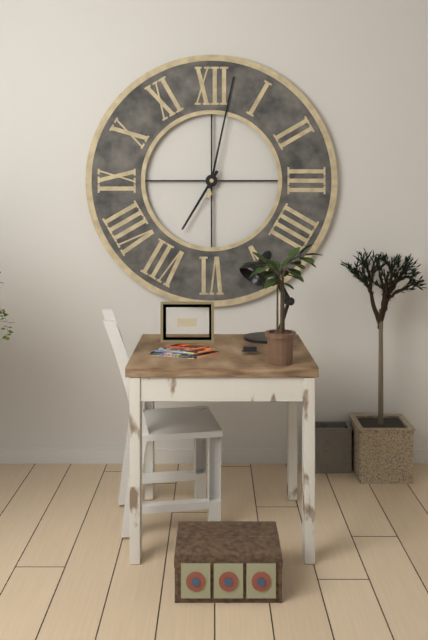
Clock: 7 h 02 min
